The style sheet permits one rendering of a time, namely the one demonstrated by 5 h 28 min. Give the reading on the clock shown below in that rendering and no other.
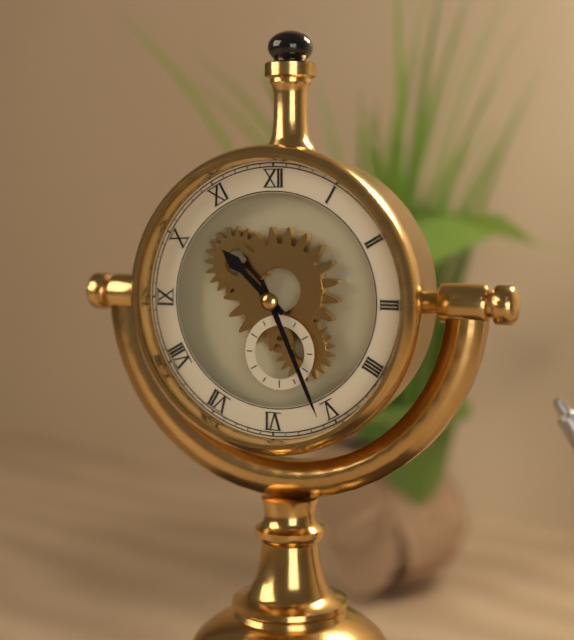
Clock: 10 h 26 min
